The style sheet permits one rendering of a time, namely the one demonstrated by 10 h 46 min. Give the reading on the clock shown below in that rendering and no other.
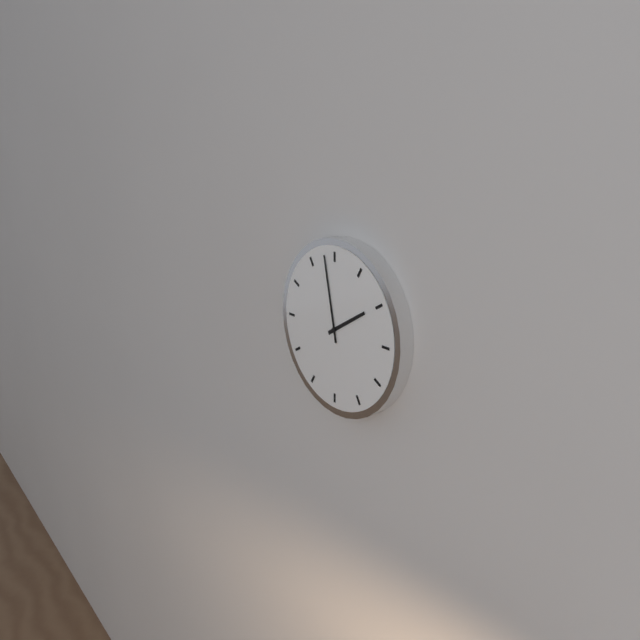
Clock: 1 h 58 min
